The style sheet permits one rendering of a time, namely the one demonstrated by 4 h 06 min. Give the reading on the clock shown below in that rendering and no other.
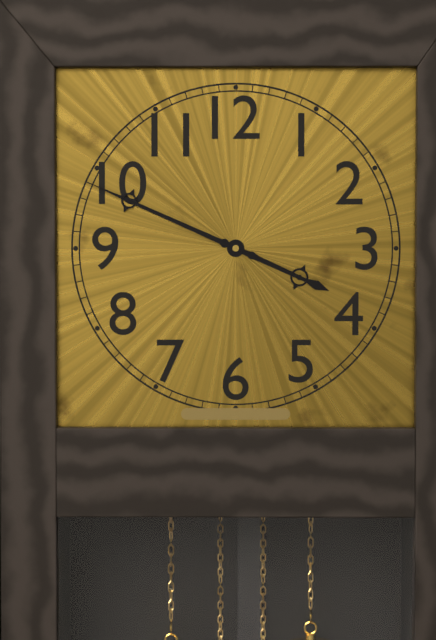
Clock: 3 h 49 min
